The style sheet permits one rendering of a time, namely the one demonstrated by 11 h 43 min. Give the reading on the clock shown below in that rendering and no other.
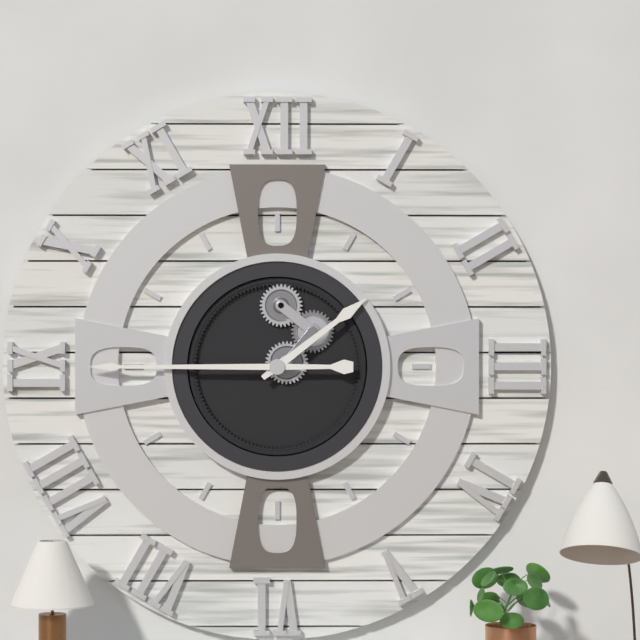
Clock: 1 h 45 min
